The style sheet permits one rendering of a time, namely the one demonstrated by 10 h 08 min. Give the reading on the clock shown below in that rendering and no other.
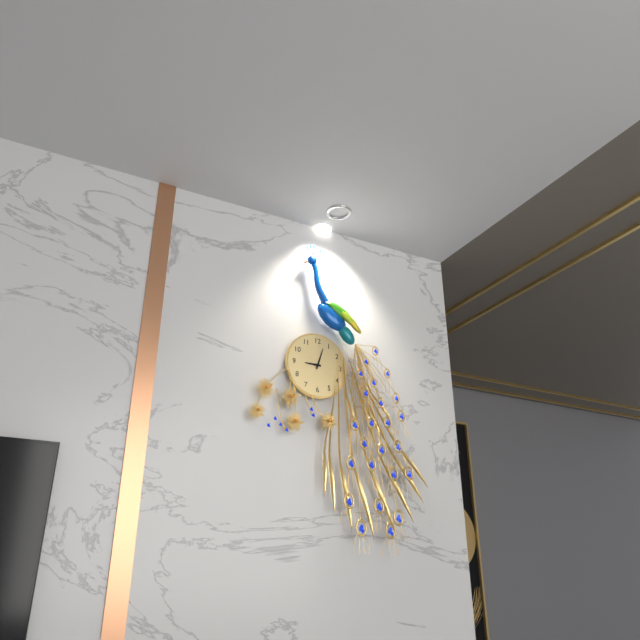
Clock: 9 h 03 min
